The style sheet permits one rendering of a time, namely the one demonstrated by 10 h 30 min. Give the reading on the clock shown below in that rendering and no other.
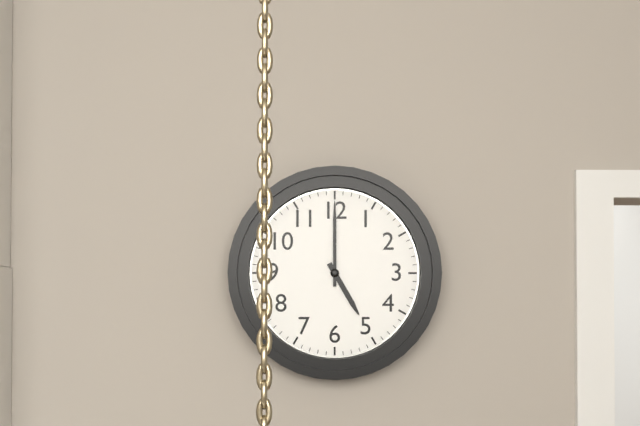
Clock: 5 h 00 min
